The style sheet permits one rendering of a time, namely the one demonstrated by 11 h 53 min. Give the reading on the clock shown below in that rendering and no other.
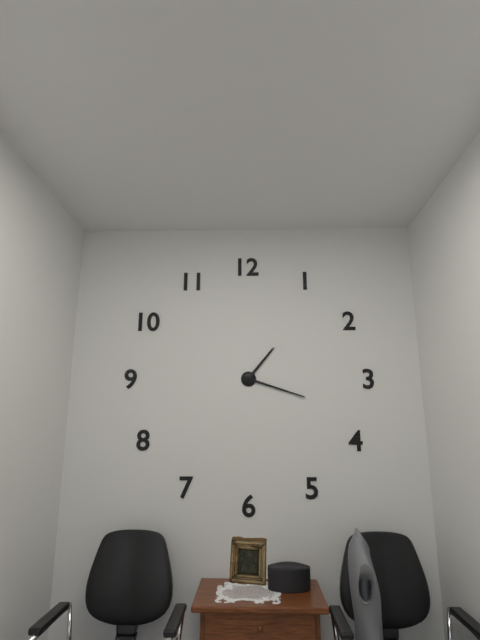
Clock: 1 h 18 min
